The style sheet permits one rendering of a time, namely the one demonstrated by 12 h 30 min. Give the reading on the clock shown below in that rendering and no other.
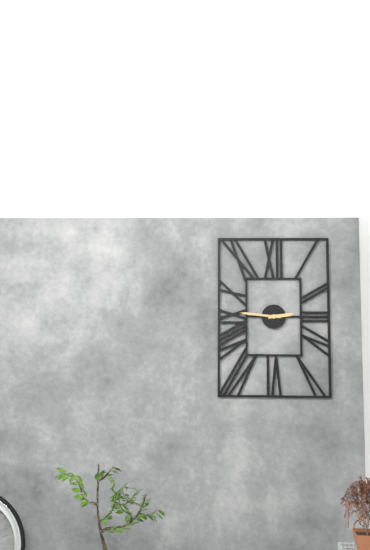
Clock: 2 h 46 min
